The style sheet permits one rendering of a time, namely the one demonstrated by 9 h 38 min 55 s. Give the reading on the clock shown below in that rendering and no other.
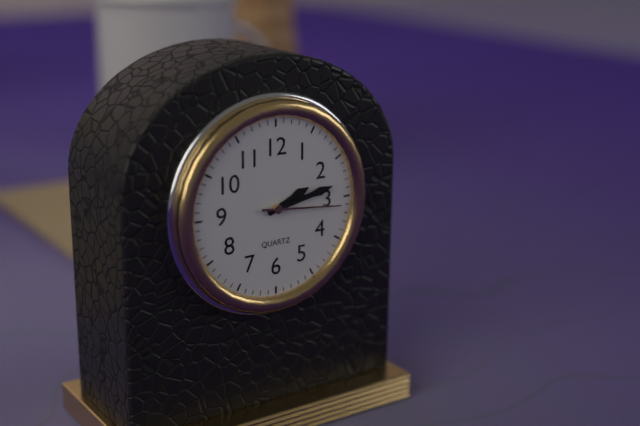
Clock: 2 h 13 min 16 s
